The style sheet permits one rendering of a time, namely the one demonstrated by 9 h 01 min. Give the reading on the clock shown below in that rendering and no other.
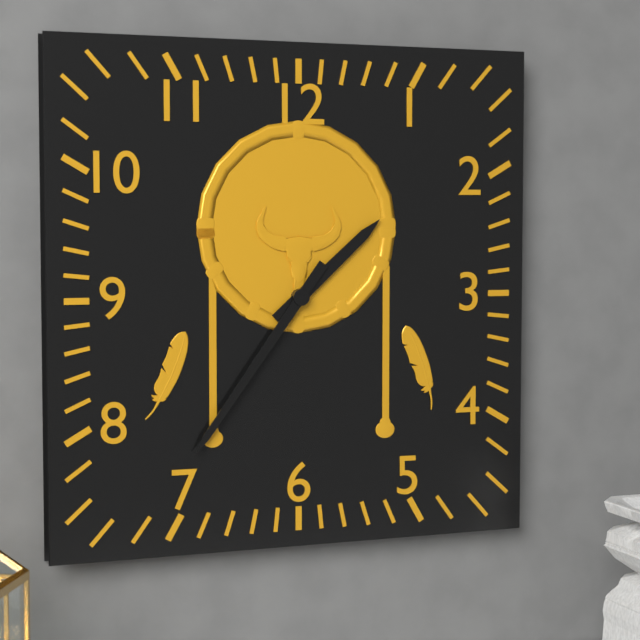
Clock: 1 h 36 min
